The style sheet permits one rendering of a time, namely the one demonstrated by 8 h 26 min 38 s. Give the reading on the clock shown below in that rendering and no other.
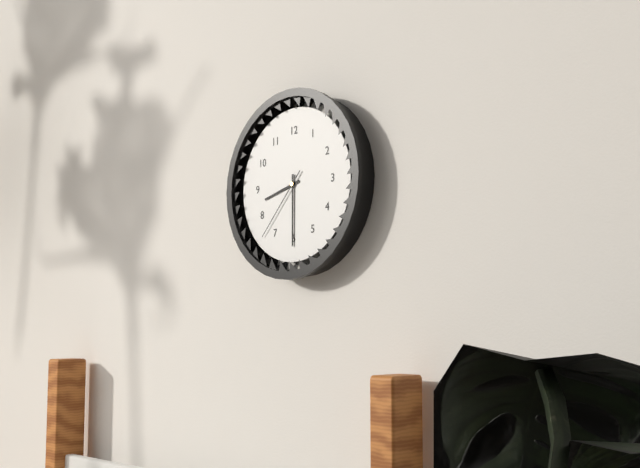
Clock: 8 h 30 min 37 s
